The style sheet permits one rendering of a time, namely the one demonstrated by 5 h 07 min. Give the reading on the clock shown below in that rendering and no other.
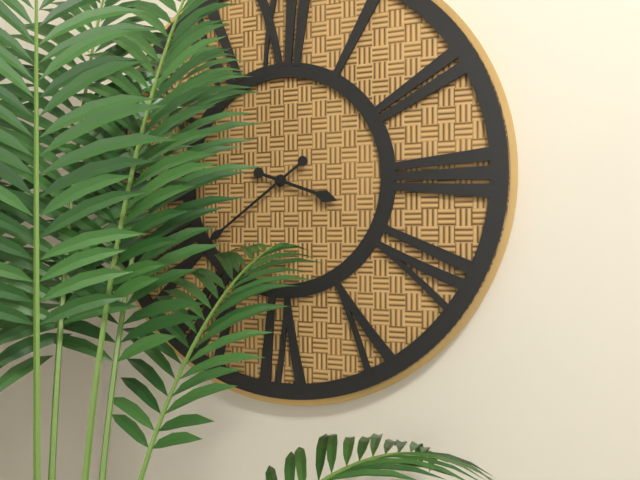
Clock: 3 h 39 min
